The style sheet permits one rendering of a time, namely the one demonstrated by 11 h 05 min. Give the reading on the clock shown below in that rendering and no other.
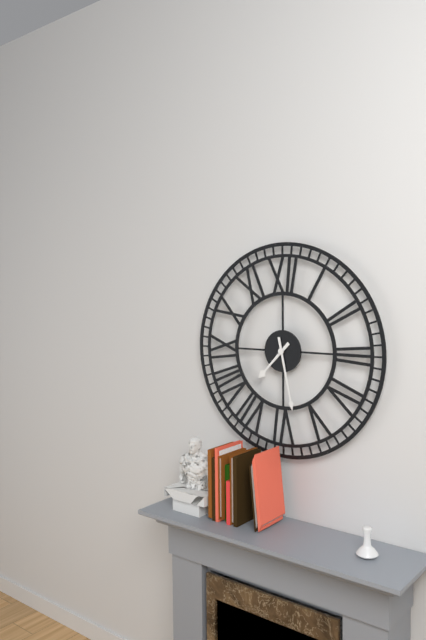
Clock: 7 h 28 min
